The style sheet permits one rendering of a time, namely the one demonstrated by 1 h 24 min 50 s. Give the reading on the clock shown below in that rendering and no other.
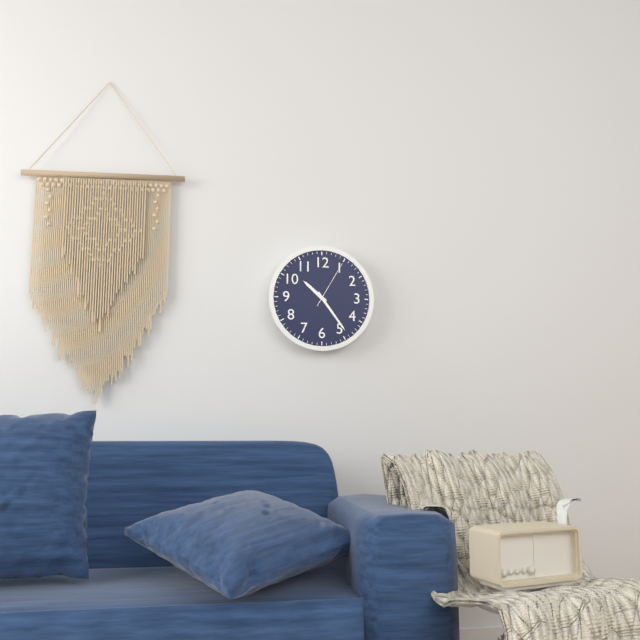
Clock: 10 h 24 min 05 s
